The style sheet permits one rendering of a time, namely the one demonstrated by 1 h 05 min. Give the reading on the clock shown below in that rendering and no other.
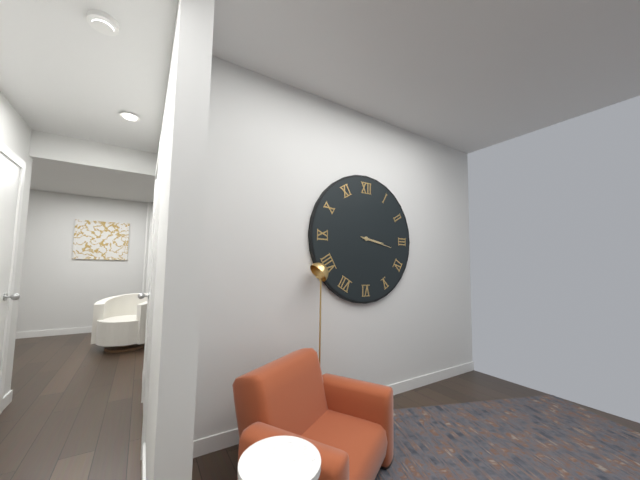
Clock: 3 h 17 min
